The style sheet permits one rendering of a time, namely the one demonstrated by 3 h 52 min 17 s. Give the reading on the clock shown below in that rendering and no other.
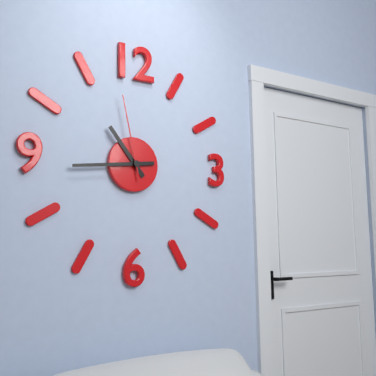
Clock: 10 h 44 min 58 s
